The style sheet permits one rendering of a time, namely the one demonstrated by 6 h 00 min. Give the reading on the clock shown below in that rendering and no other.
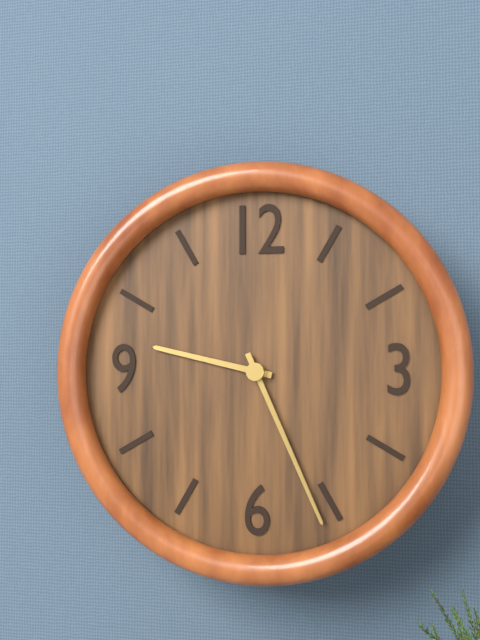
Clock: 9 h 26 min
